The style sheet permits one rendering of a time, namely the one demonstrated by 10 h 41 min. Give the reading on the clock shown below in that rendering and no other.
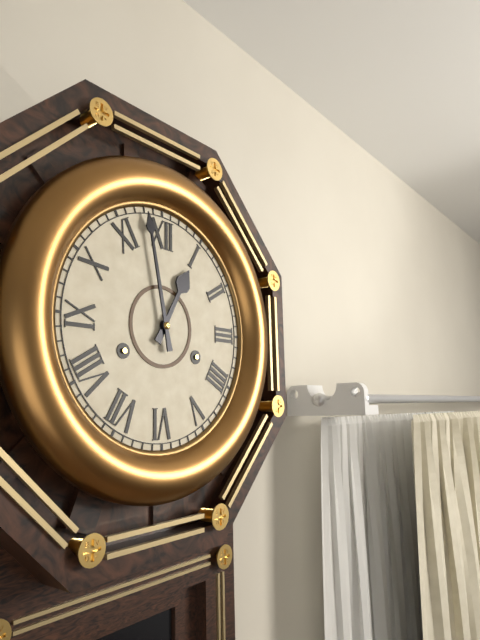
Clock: 12 h 58 min
